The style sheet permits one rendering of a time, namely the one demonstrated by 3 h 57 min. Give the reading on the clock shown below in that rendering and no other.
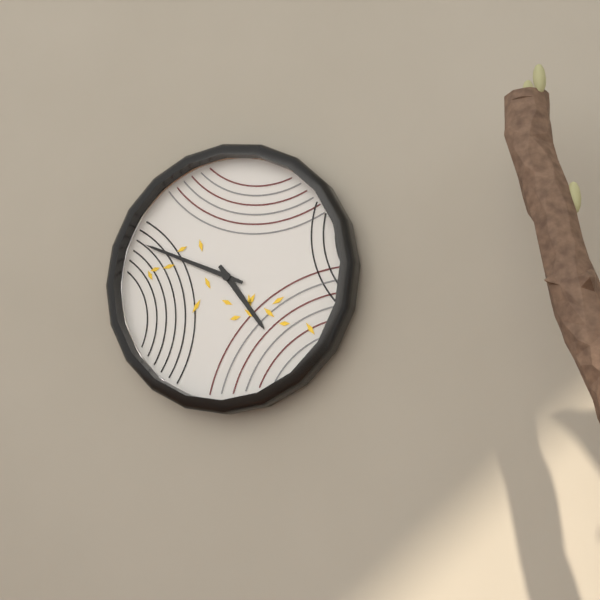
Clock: 4 h 49 min
